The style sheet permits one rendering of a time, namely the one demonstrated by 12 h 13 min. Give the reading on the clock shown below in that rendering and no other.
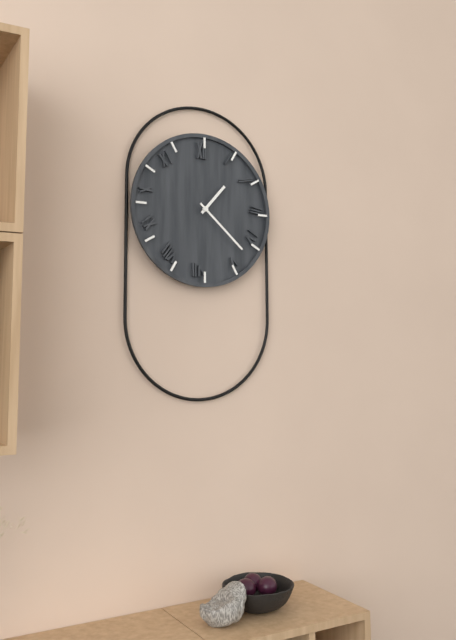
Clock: 1 h 22 min
